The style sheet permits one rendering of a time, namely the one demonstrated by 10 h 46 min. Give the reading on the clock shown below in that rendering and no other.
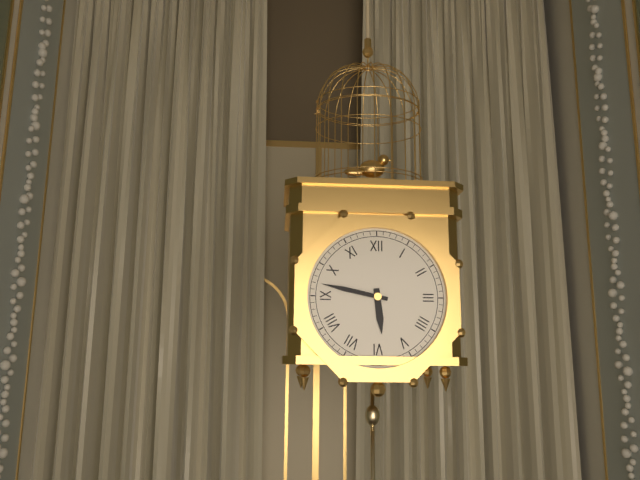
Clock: 5 h 47 min
